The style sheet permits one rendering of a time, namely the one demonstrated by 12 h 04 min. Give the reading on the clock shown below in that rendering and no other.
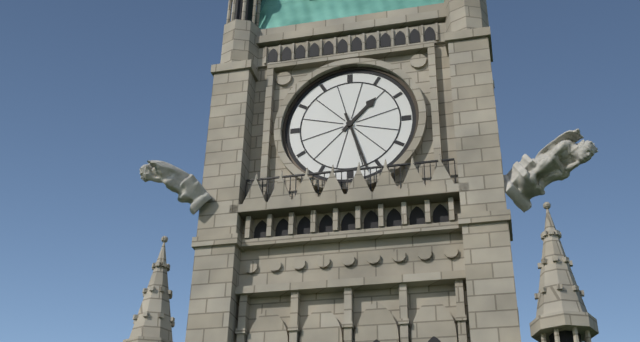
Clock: 1 h 27 min
